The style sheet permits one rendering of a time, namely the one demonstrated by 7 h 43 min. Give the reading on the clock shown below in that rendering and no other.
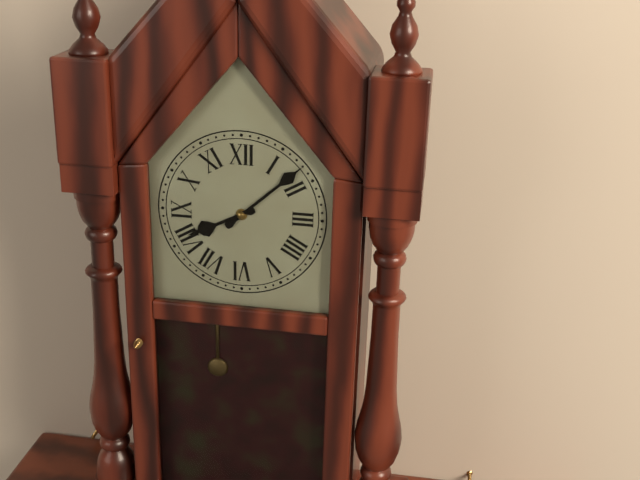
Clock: 8 h 08 min
